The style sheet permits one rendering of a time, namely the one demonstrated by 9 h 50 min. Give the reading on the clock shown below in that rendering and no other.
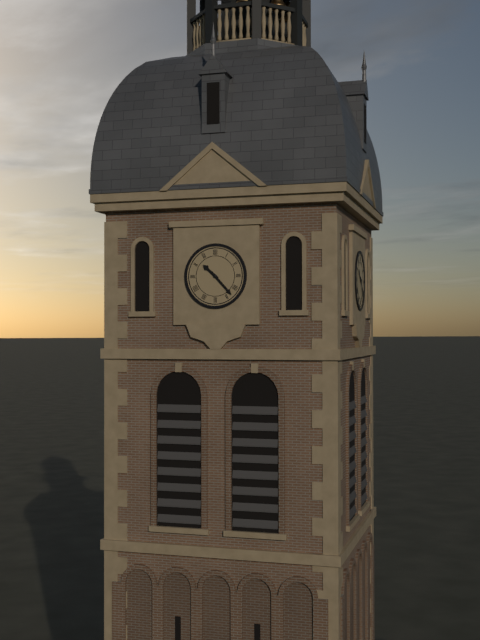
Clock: 10 h 23 min
